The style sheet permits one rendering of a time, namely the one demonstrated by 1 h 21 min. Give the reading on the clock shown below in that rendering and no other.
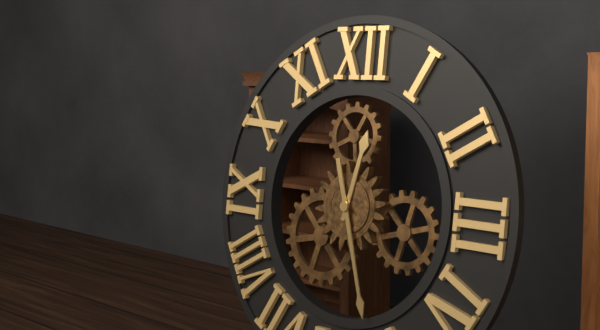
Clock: 12 h 27 min
